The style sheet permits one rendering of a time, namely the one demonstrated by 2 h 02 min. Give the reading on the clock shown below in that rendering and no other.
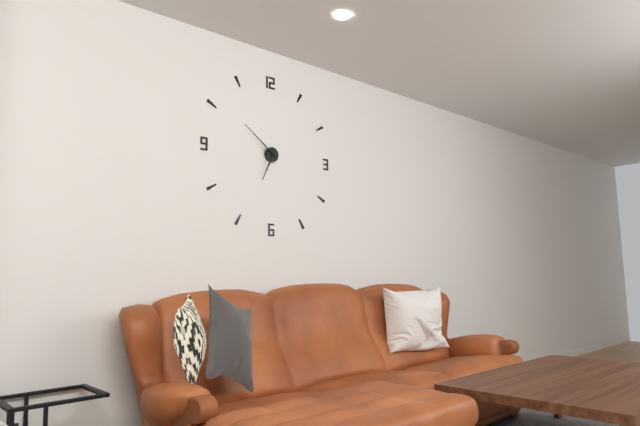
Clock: 6 h 51 min
